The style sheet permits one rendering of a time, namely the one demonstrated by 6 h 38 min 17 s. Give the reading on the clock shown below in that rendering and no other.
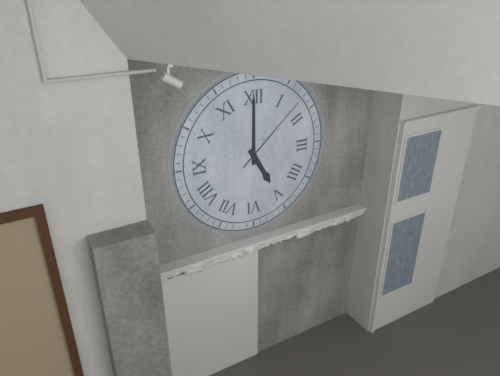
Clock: 5 h 00 min 08 s
